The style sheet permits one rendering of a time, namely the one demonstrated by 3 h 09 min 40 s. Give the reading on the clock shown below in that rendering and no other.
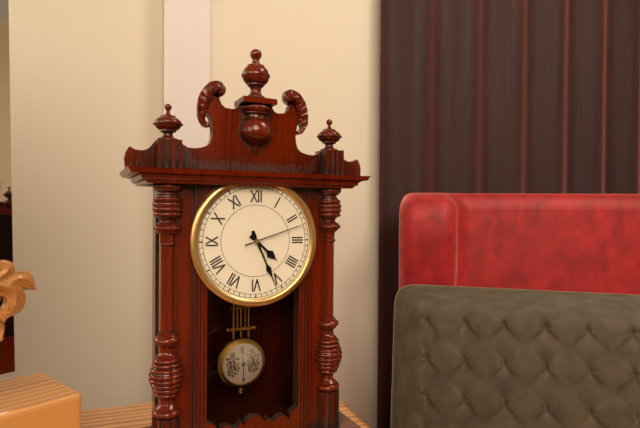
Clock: 4 h 26 min 12 s
